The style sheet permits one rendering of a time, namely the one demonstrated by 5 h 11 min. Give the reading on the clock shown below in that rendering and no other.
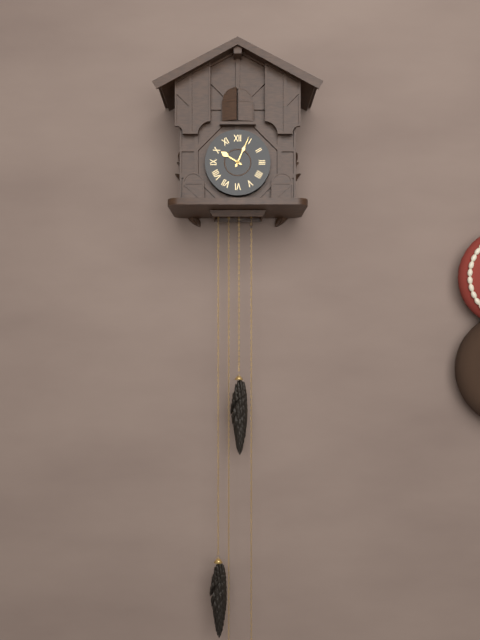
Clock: 10 h 04 min
